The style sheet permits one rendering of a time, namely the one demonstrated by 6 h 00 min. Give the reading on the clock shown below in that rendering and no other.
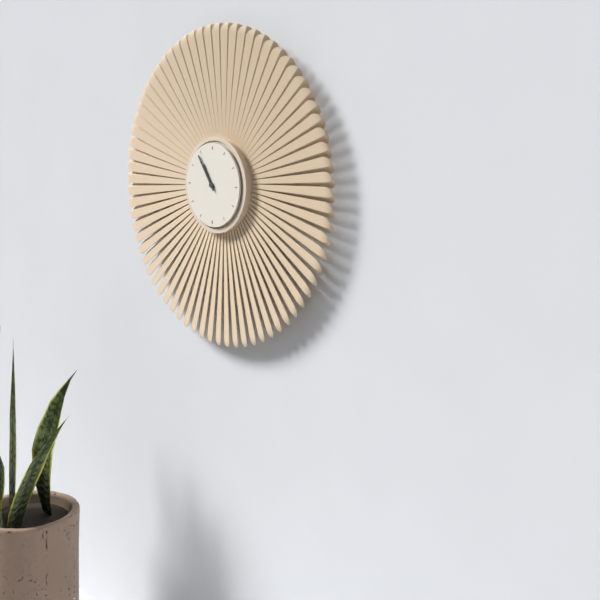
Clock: 10 h 54 min
